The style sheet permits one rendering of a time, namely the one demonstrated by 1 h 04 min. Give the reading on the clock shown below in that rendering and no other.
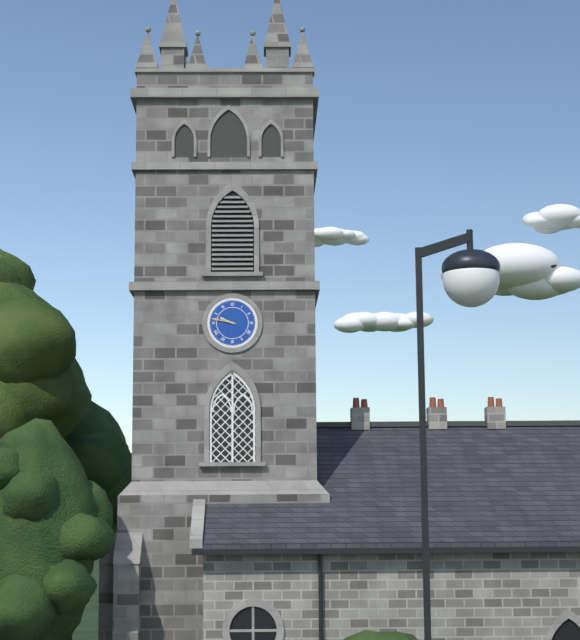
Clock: 9 h 47 min
